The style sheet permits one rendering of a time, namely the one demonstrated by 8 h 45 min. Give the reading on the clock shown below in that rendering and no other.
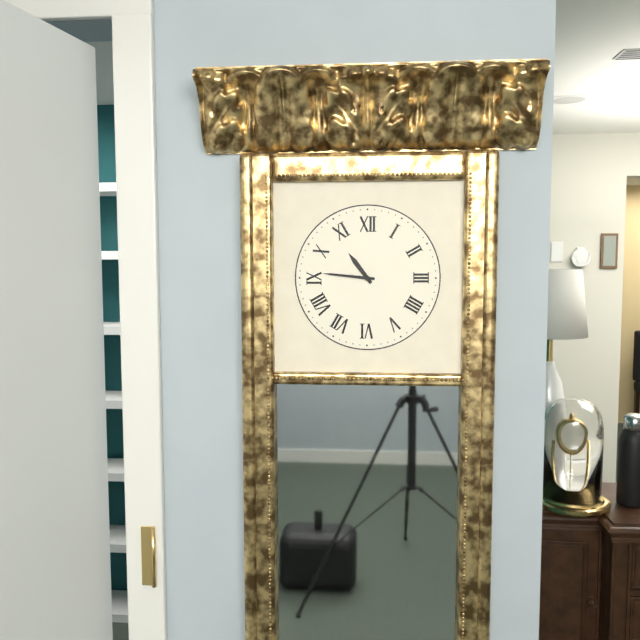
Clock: 10 h 46 min
